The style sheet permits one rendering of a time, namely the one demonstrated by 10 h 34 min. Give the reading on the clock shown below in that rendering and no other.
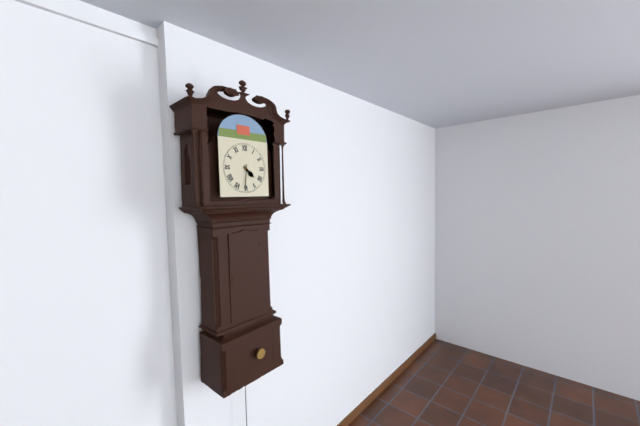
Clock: 4 h 31 min
